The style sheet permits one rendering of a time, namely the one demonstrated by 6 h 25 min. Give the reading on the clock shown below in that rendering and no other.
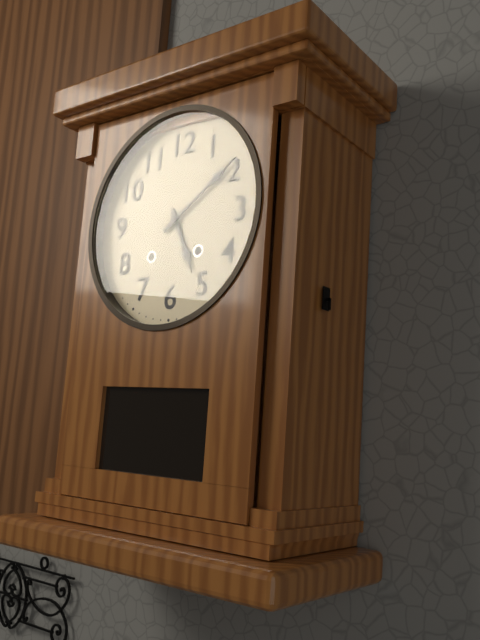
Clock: 5 h 09 min
